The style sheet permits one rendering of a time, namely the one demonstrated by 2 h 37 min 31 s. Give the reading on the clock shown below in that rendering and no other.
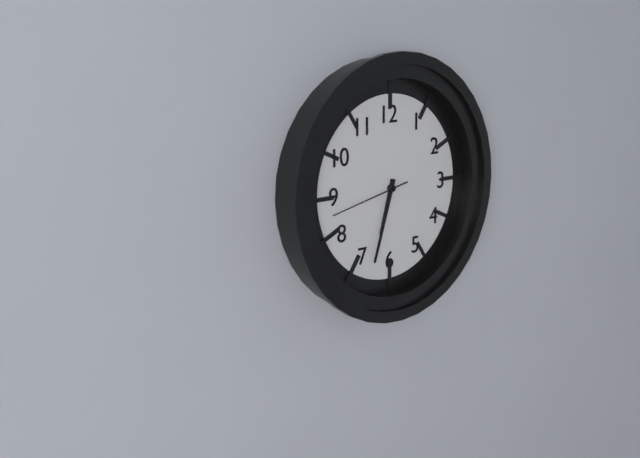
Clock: 6 h 33 min 43 s
